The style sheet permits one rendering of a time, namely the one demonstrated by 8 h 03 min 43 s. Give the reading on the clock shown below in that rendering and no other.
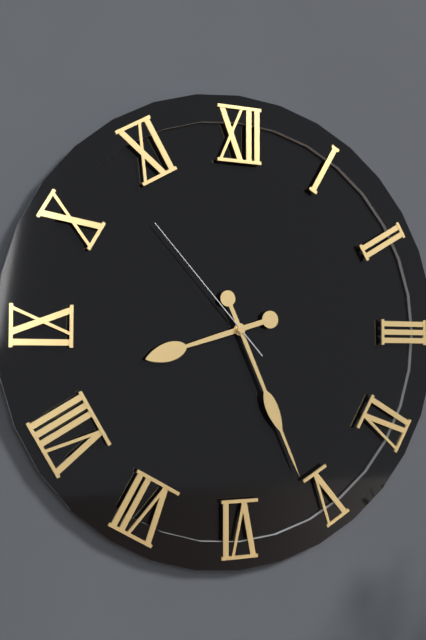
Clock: 8 h 26 min 53 s
